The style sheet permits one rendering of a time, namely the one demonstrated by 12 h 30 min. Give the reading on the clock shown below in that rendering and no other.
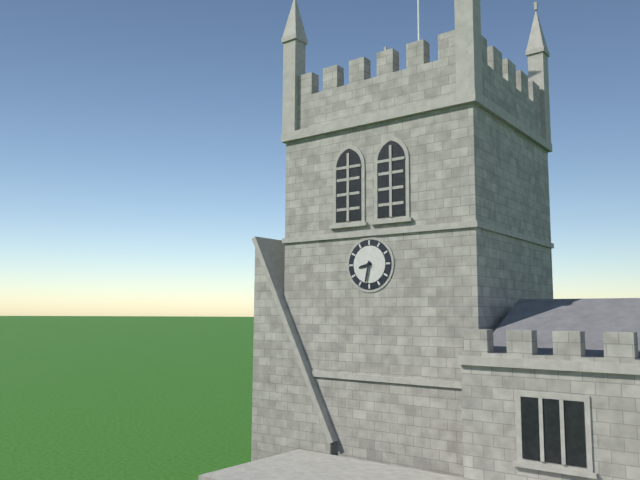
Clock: 8 h 32 min
